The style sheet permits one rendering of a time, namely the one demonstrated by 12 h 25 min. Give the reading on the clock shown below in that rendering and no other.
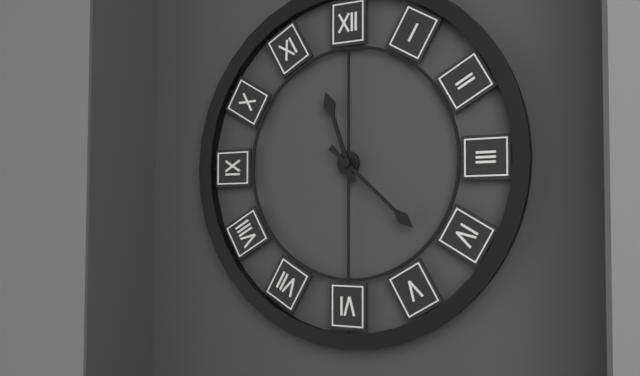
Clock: 11 h 22 min
